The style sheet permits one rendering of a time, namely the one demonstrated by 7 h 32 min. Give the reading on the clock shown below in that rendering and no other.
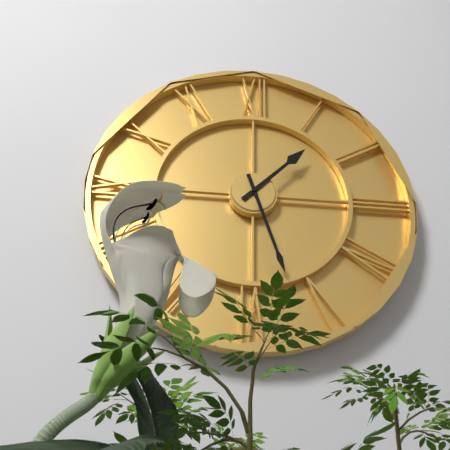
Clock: 1 h 27 min
